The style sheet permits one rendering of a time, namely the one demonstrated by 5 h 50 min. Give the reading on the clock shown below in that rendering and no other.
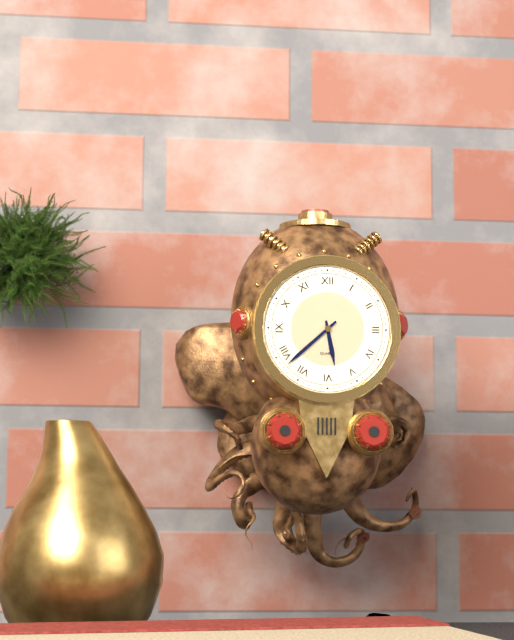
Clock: 5 h 38 min
